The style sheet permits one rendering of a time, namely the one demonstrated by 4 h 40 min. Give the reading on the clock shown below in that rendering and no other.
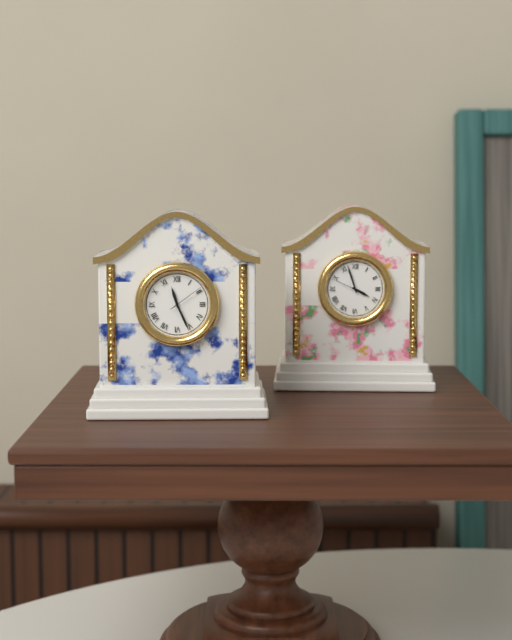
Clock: 11 h 26 min
